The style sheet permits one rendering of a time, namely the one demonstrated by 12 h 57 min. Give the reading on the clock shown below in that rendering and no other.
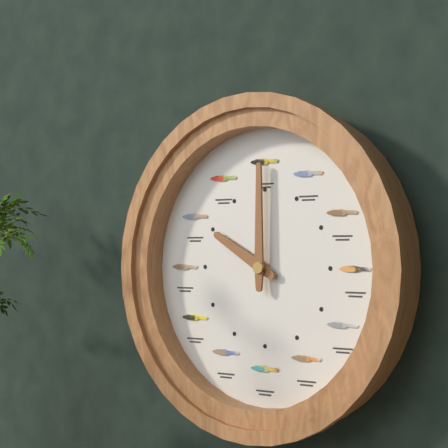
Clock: 10 h 00 min
